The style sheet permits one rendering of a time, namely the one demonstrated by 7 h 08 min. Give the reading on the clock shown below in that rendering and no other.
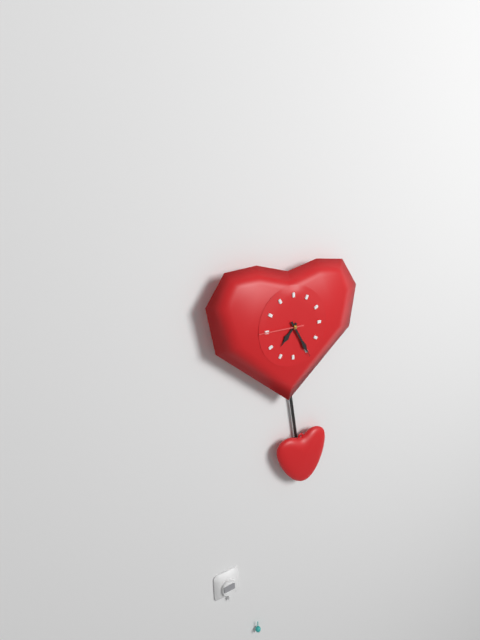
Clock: 7 h 25 min
